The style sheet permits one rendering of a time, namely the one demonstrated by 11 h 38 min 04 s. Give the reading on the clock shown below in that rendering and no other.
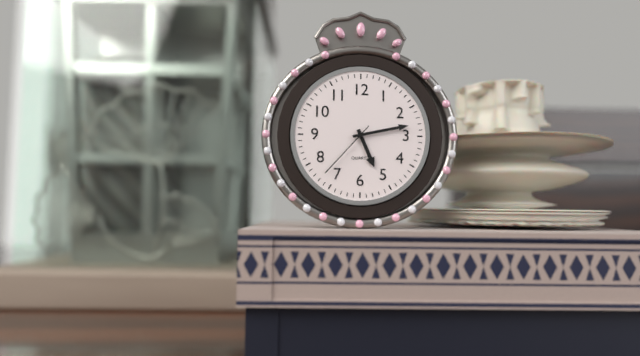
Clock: 5 h 13 min 37 s
